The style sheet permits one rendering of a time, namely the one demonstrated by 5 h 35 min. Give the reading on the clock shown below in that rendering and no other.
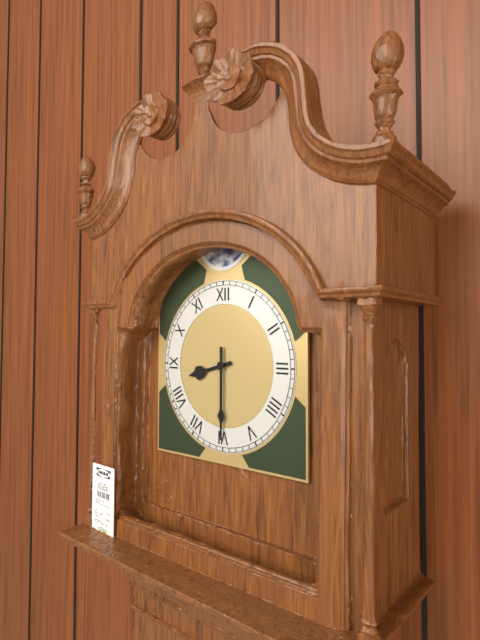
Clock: 8 h 30 min
